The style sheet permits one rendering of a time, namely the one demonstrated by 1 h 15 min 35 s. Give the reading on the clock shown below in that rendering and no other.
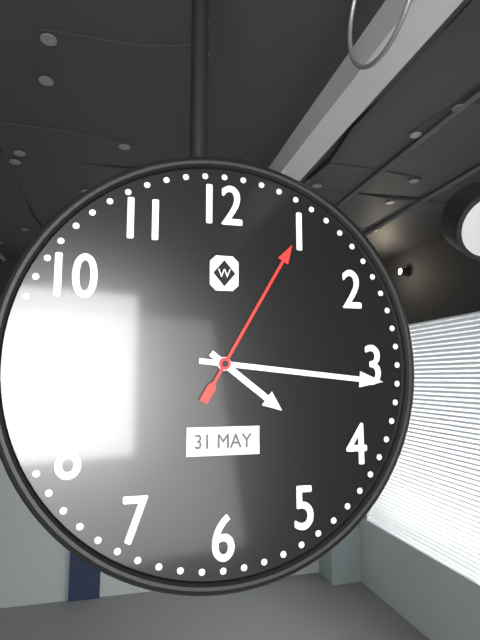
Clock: 4 h 16 min 05 s
